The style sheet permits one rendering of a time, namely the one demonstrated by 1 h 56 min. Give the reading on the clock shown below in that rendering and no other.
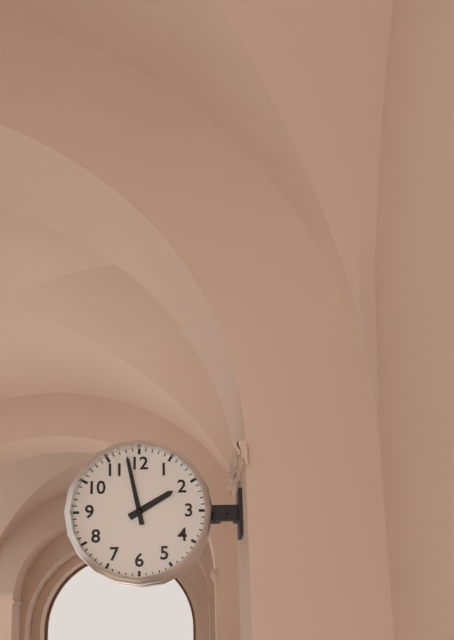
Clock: 1 h 58 min
